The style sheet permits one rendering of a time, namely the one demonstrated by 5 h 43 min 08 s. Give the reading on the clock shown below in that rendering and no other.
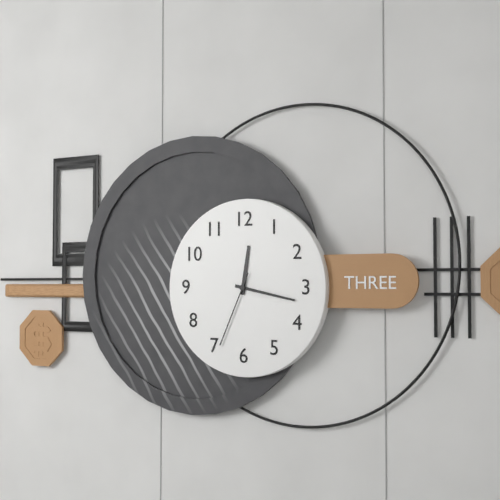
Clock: 12 h 17 min 34 s
